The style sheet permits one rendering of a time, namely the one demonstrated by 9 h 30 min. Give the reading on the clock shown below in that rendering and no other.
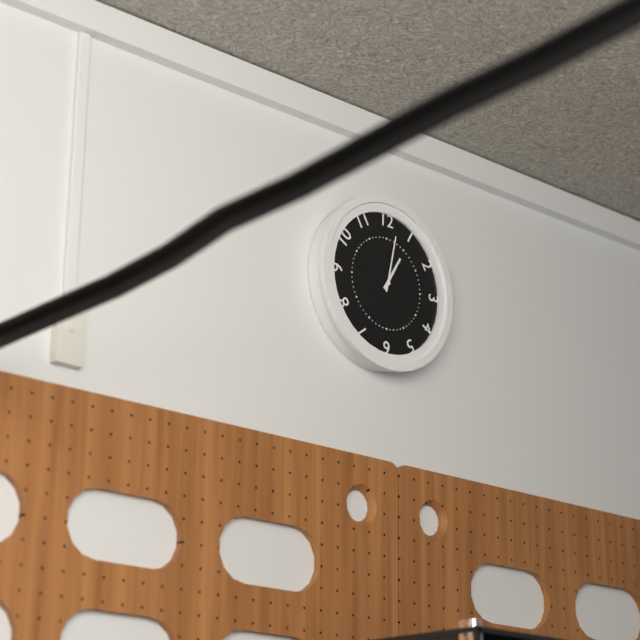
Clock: 1 h 02 min
